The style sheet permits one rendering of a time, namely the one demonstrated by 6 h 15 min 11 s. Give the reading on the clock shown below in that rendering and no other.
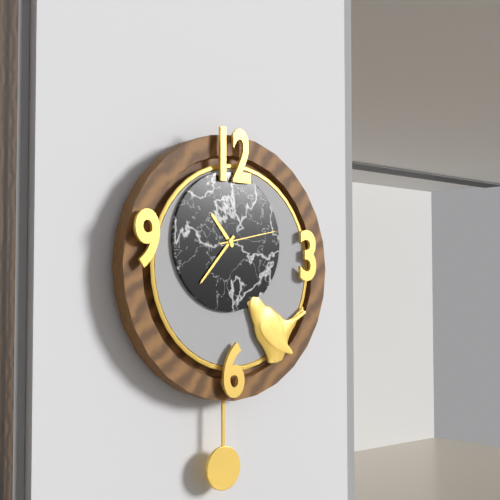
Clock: 10 h 37 min 13 s
